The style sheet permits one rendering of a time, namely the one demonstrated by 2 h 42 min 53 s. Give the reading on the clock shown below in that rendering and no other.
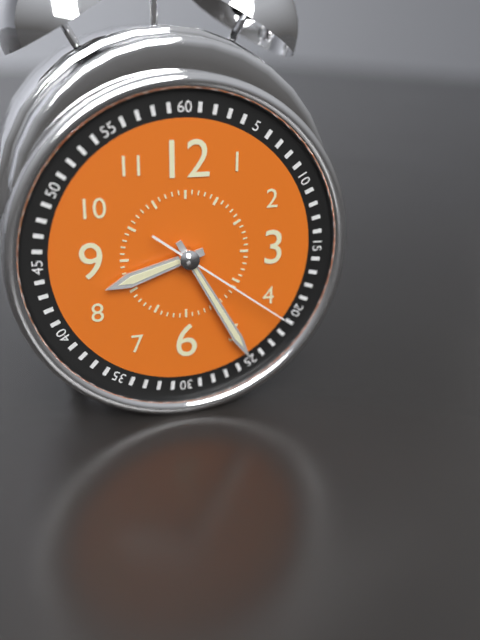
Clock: 8 h 25 min 21 s
